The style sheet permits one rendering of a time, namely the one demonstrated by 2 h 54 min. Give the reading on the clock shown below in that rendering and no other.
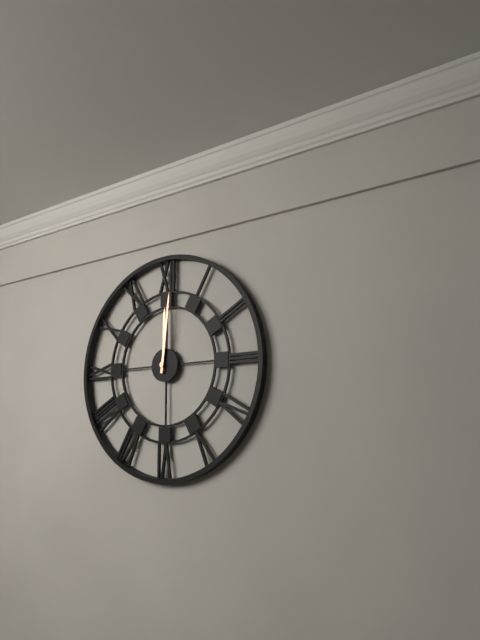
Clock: 12 h 01 min
